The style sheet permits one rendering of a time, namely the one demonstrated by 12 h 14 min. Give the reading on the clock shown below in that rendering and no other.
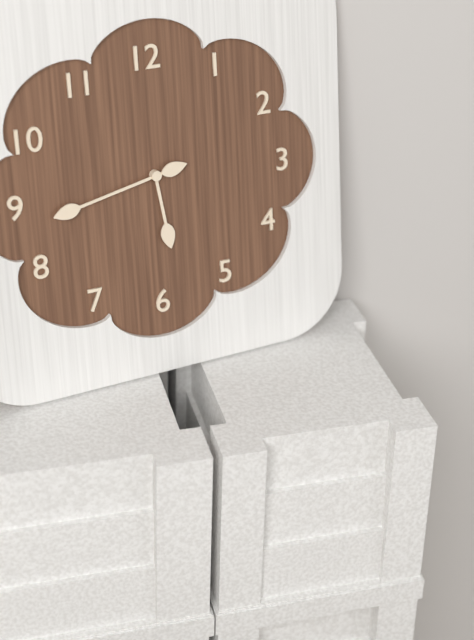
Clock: 5 h 43 min
